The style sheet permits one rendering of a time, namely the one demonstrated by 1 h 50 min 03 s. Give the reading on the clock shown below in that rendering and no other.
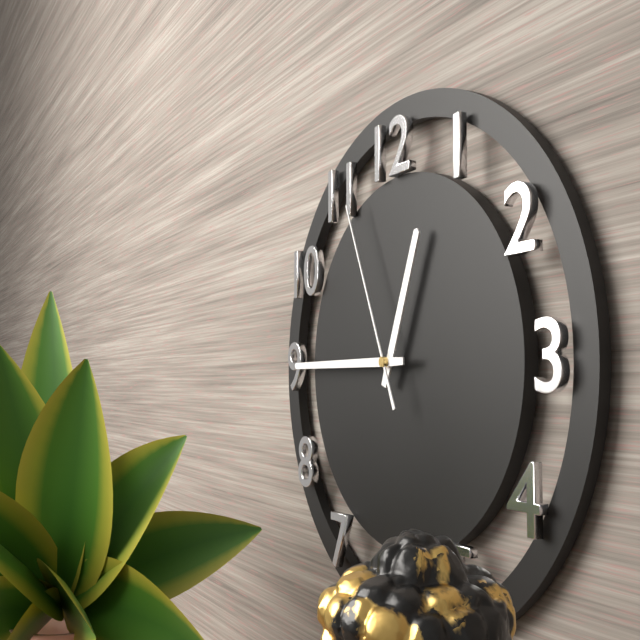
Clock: 12 h 45 min 56 s
